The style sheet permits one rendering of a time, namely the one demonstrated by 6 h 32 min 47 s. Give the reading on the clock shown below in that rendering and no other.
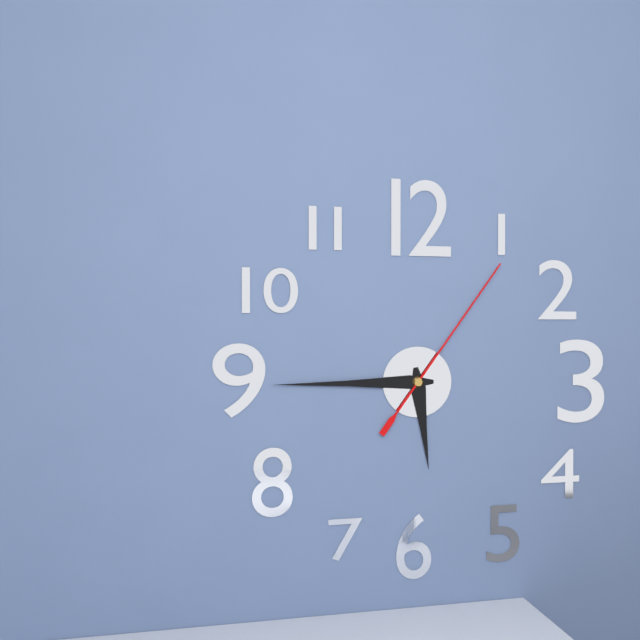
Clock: 5 h 45 min 06 s
